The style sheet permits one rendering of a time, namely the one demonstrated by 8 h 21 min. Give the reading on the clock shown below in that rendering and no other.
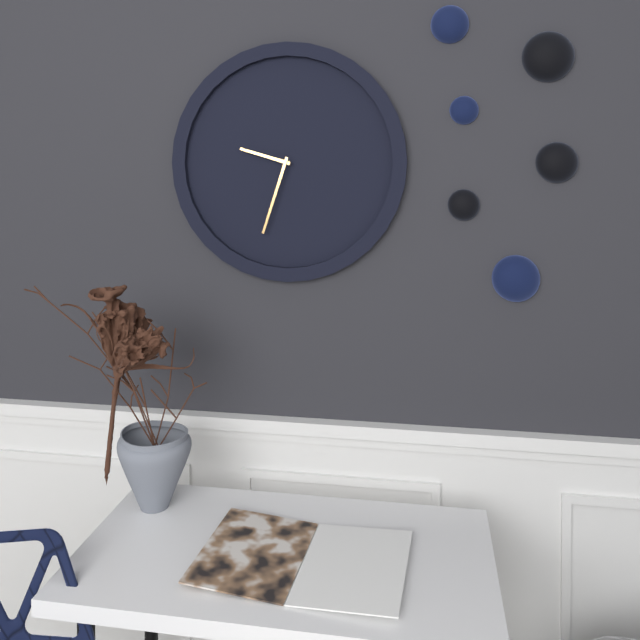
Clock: 9 h 33 min
